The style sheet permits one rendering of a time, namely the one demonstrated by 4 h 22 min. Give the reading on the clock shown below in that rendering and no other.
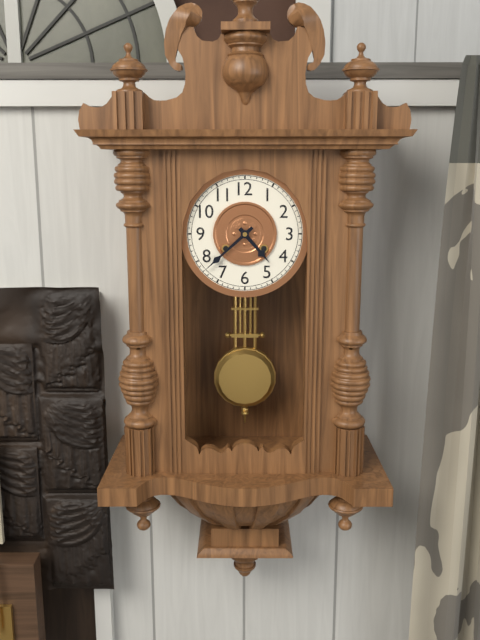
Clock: 4 h 38 min
